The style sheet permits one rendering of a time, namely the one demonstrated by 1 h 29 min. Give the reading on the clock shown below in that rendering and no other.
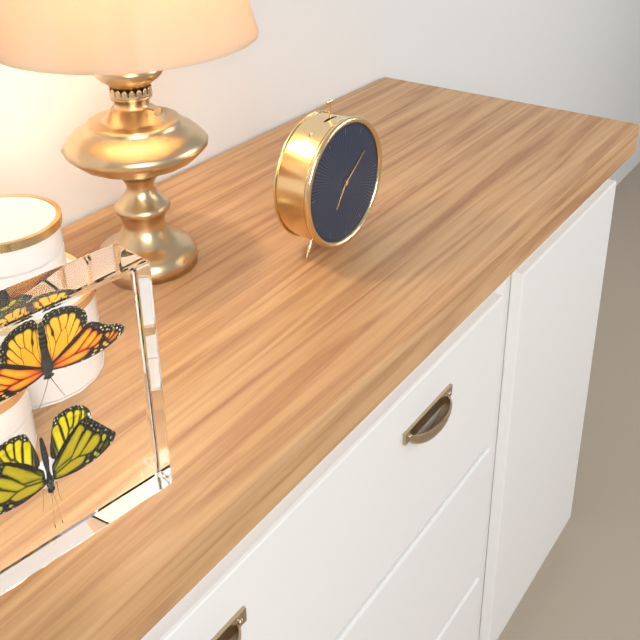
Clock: 7 h 09 min
